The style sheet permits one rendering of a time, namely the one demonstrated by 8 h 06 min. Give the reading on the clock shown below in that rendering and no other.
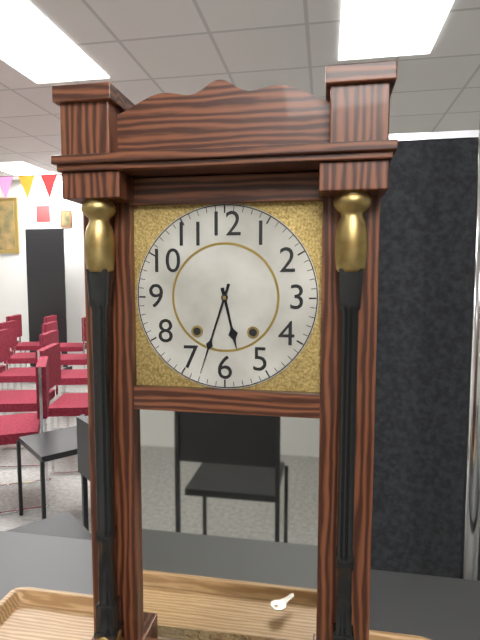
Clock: 5 h 33 min
